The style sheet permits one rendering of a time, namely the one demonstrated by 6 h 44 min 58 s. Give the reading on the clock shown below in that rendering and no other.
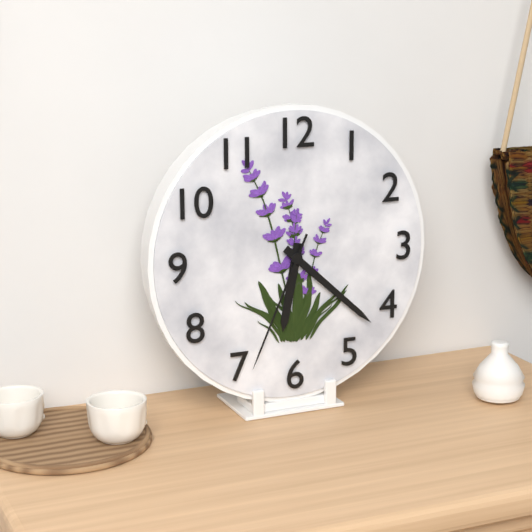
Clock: 6 h 22 min 34 s
